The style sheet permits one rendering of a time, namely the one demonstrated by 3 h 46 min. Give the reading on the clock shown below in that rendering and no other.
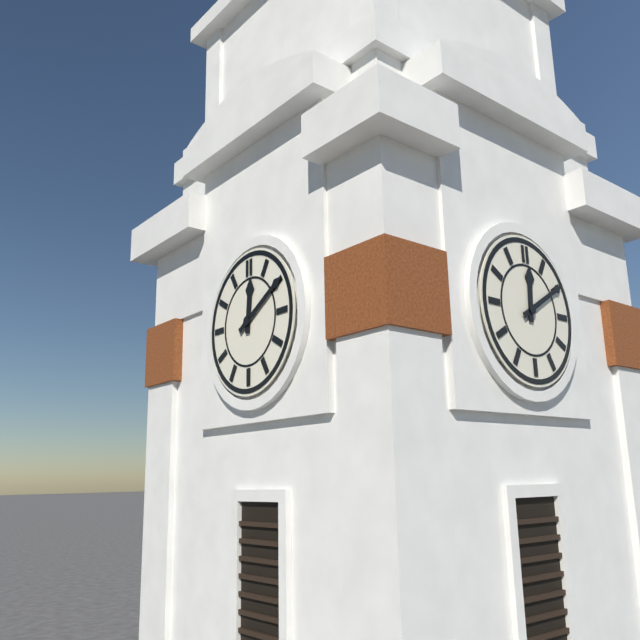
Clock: 12 h 10 min
